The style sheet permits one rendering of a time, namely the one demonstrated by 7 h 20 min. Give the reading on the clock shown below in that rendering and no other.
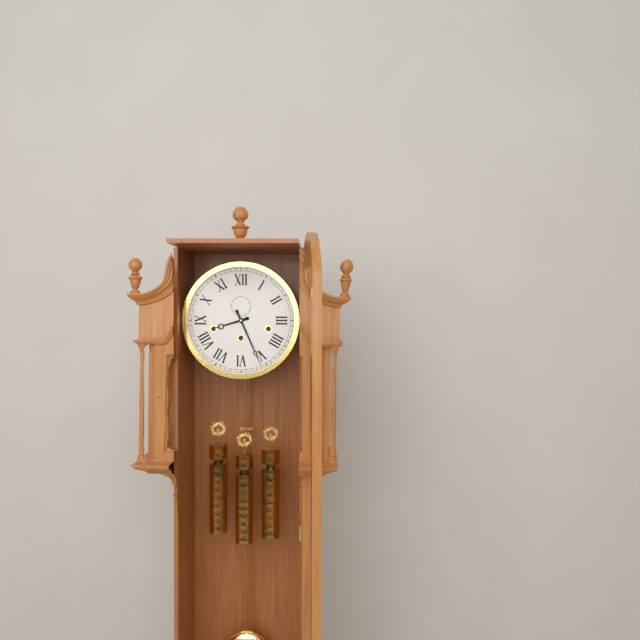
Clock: 8 h 26 min
